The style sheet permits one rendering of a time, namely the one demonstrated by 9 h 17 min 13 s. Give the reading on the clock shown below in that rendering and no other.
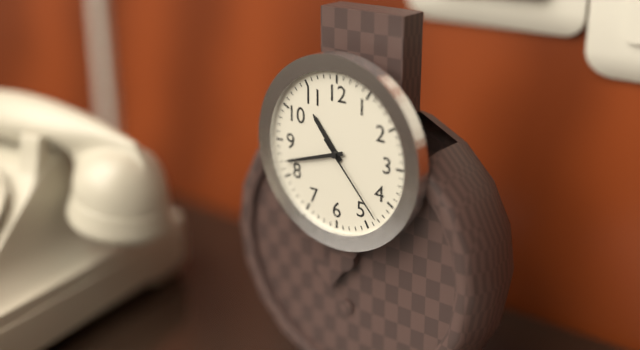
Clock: 10 h 42 min 23 s
